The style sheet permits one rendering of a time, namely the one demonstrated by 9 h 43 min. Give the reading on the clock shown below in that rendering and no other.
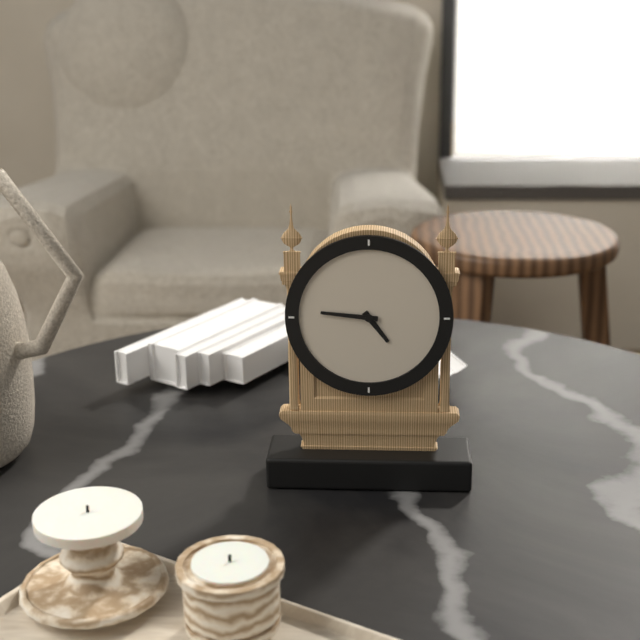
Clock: 4 h 46 min
